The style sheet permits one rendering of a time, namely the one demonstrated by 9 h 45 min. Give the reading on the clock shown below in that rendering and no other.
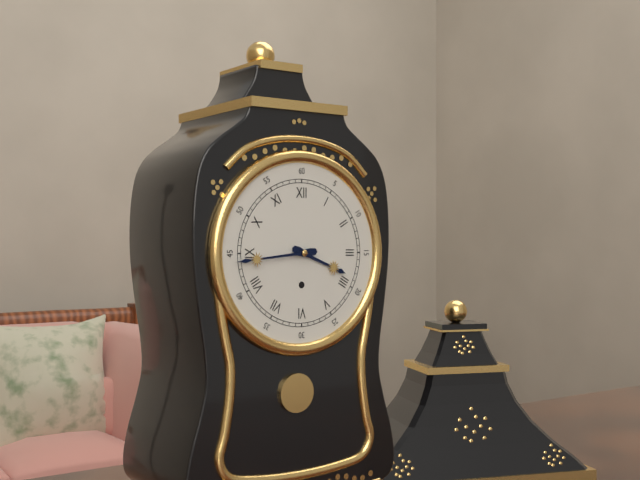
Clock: 3 h 44 min
